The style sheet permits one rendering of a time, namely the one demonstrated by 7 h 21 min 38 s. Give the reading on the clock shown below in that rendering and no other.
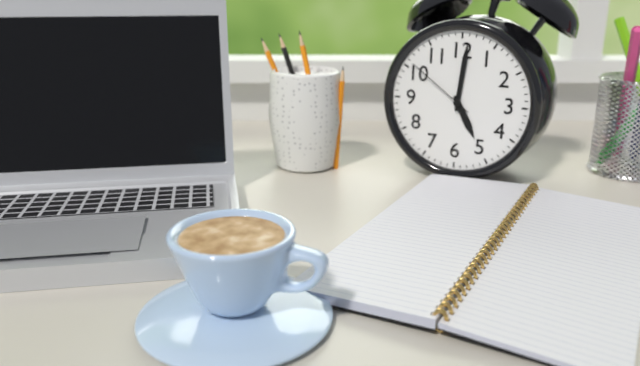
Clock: 5 h 01 min 51 s
